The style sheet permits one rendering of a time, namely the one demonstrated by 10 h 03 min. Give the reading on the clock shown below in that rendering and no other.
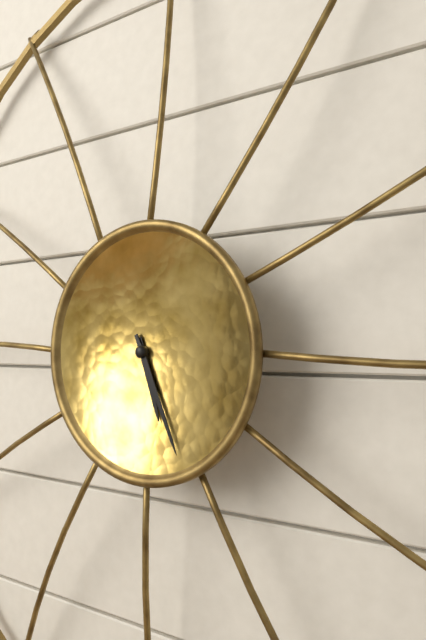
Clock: 5 h 26 min
